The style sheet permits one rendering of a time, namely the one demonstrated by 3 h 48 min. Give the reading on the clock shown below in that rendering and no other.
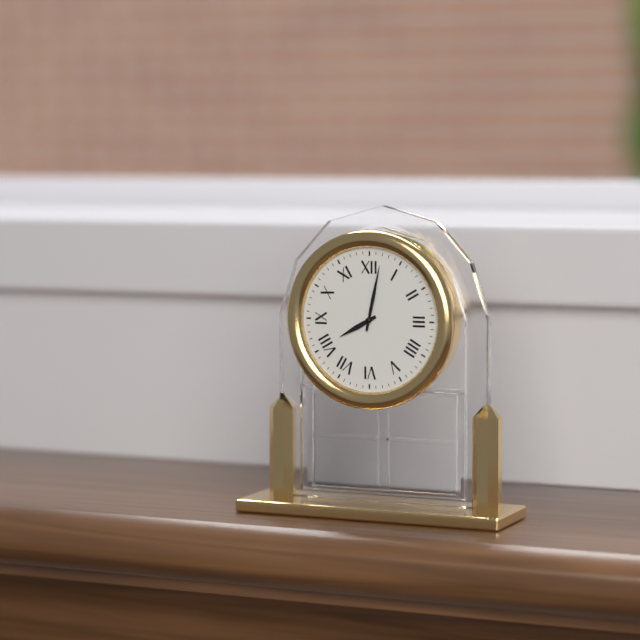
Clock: 8 h 02 min
